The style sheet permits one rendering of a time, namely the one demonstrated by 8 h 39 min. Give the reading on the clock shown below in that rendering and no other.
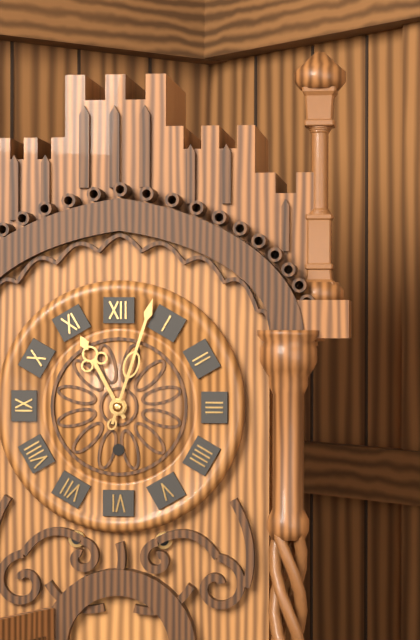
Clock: 11 h 03 min
